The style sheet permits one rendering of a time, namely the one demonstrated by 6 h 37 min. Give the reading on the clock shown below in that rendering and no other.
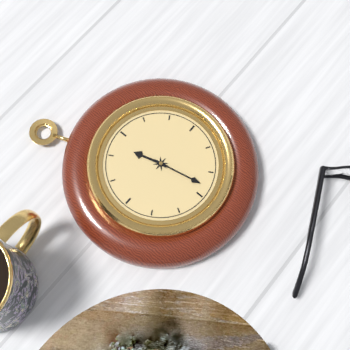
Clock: 11 h 28 min
